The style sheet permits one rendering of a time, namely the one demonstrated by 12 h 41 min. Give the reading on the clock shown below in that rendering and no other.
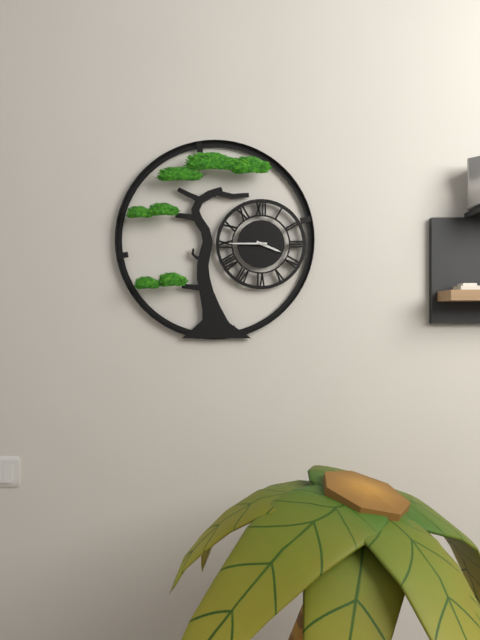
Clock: 3 h 45 min
